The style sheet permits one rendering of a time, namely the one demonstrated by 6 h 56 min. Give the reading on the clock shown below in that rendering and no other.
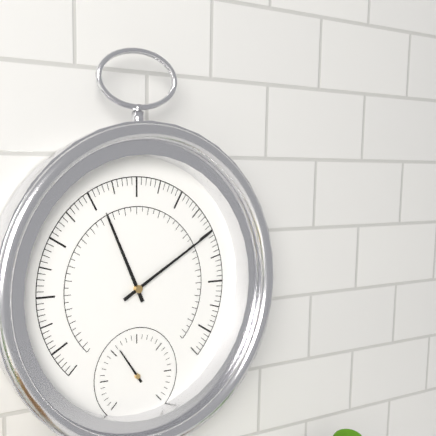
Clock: 11 h 10 min
